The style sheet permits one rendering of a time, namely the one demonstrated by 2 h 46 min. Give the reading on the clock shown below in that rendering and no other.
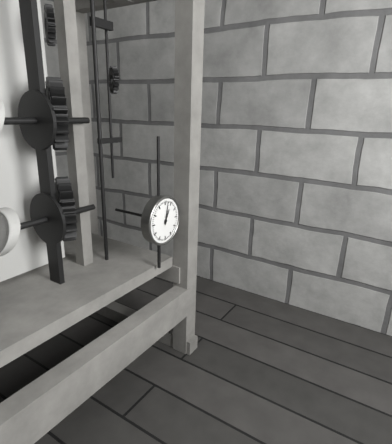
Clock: 1 h 02 min
